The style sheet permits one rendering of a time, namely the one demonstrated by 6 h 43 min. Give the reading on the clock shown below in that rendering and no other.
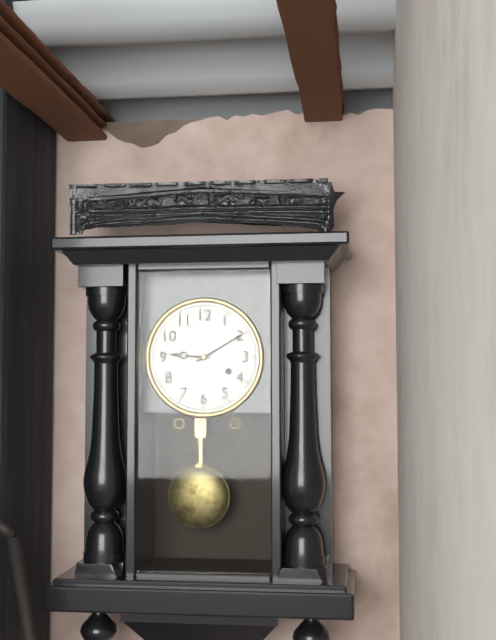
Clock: 9 h 10 min
